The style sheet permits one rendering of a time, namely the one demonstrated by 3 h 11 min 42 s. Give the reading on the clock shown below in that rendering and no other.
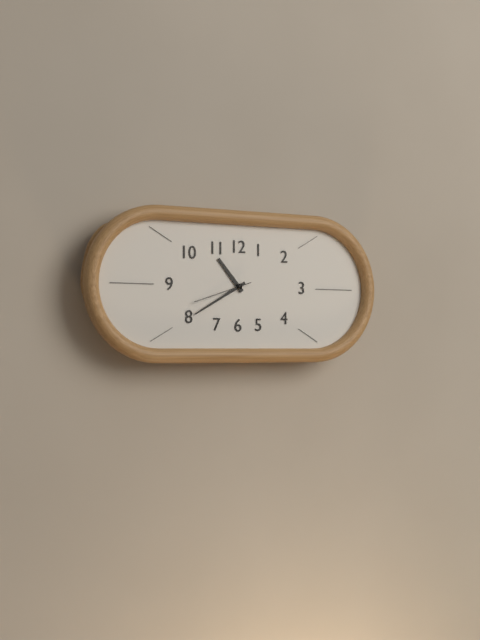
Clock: 10 h 40 min 42 s
